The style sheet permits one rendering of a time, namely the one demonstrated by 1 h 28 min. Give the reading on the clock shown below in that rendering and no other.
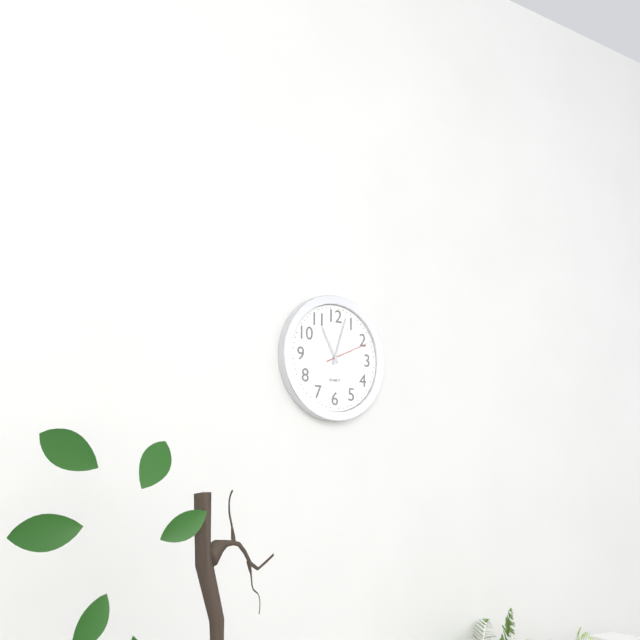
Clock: 11 h 03 min
